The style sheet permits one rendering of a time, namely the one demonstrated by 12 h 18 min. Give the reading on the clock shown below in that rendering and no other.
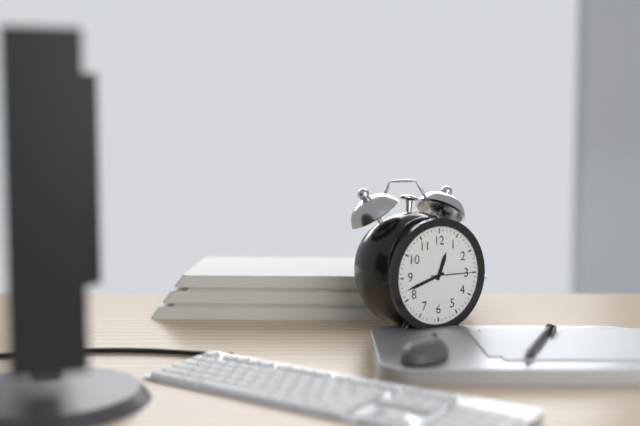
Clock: 12 h 42 min
